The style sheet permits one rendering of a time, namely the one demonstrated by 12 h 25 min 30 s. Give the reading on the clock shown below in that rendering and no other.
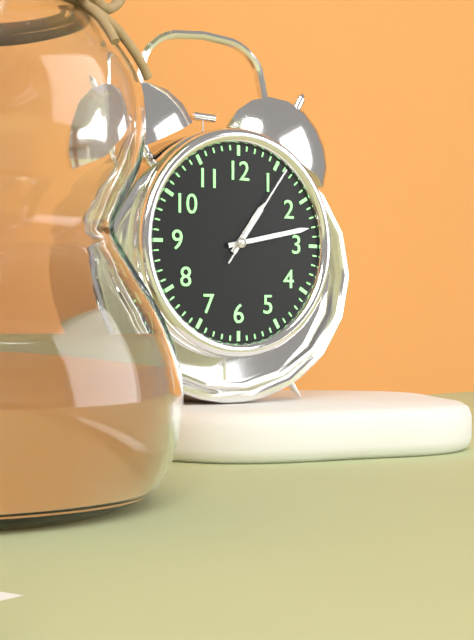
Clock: 1 h 13 min 06 s
